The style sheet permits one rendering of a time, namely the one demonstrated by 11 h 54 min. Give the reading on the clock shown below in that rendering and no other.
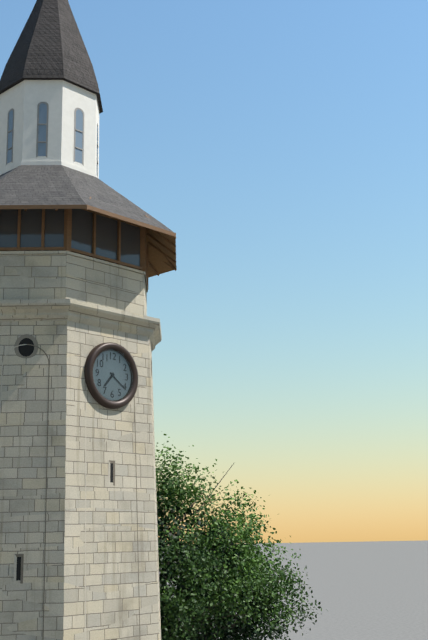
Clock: 7 h 21 min
